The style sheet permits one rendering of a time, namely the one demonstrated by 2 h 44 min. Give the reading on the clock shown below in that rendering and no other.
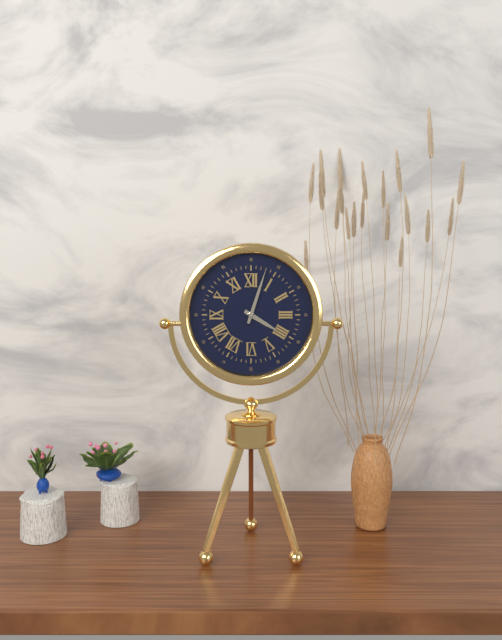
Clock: 4 h 03 min
